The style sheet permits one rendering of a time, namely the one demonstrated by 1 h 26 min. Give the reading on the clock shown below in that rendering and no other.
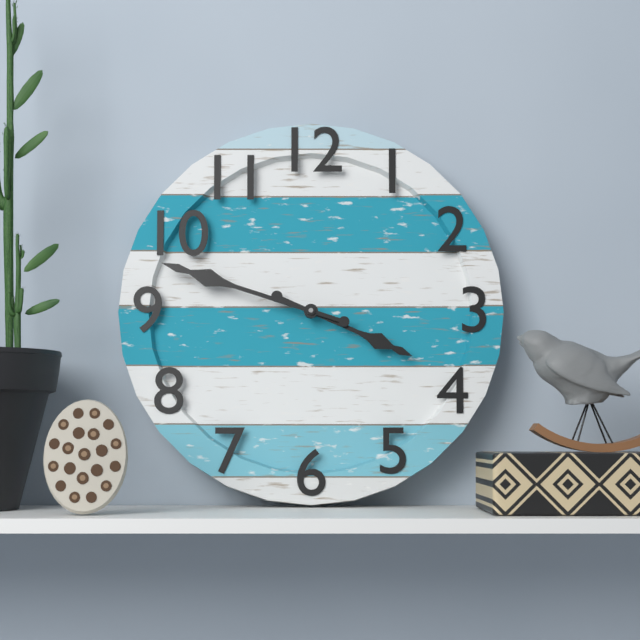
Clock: 3 h 48 min
